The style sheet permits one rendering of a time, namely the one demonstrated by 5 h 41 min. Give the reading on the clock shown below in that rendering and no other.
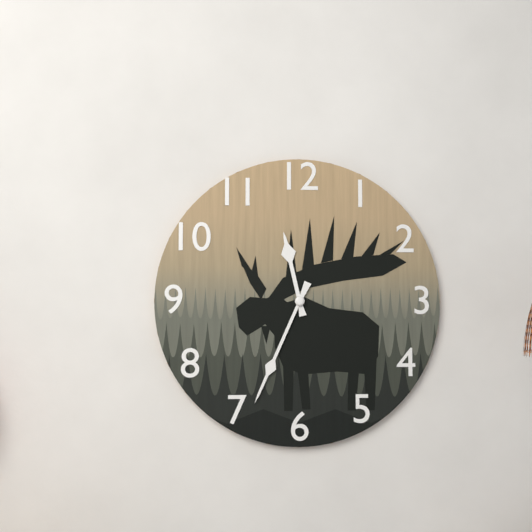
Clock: 11 h 34 min
